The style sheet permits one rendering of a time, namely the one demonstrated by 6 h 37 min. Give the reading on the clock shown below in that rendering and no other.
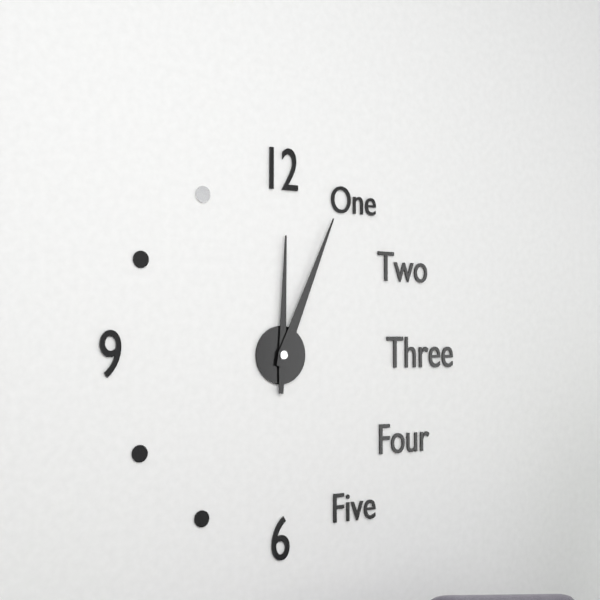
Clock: 12 h 04 min
